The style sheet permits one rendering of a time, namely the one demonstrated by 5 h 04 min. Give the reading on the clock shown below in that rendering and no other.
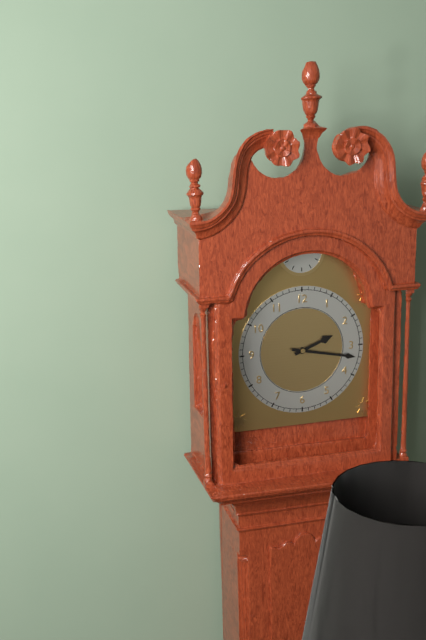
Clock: 2 h 17 min
